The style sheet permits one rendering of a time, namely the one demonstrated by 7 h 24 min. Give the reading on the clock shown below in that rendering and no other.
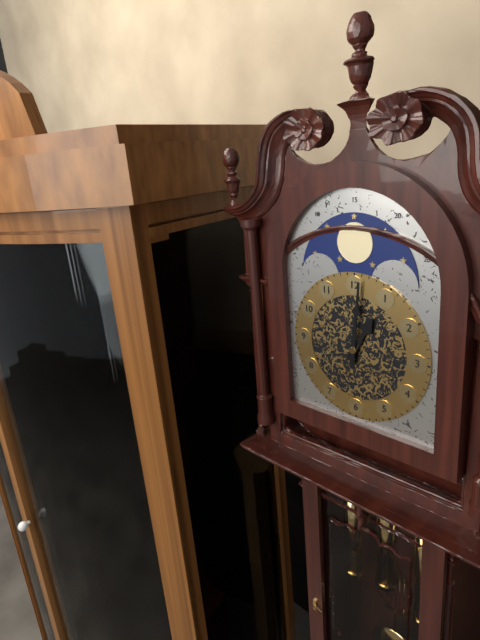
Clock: 1 h 01 min
